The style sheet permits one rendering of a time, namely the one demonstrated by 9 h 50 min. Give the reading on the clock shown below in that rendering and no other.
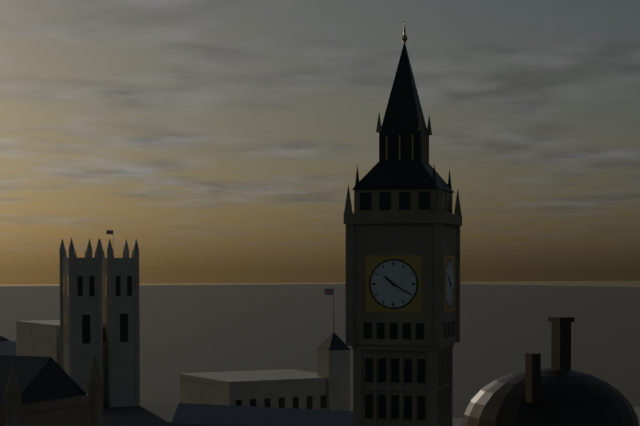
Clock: 10 h 20 min
